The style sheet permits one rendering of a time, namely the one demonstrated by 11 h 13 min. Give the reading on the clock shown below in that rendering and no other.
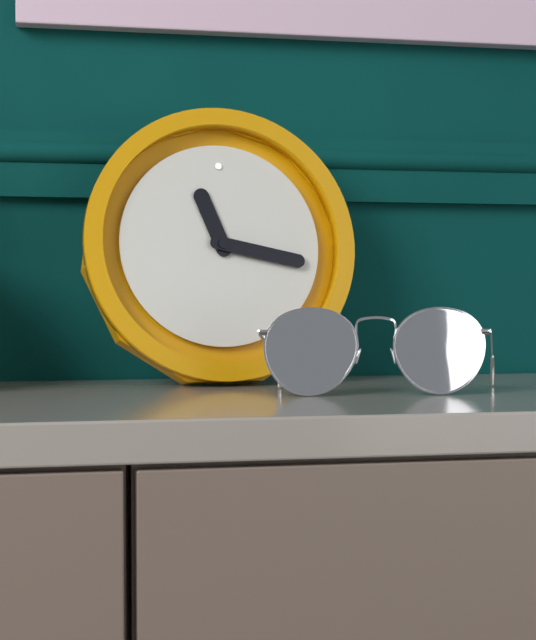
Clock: 11 h 17 min
